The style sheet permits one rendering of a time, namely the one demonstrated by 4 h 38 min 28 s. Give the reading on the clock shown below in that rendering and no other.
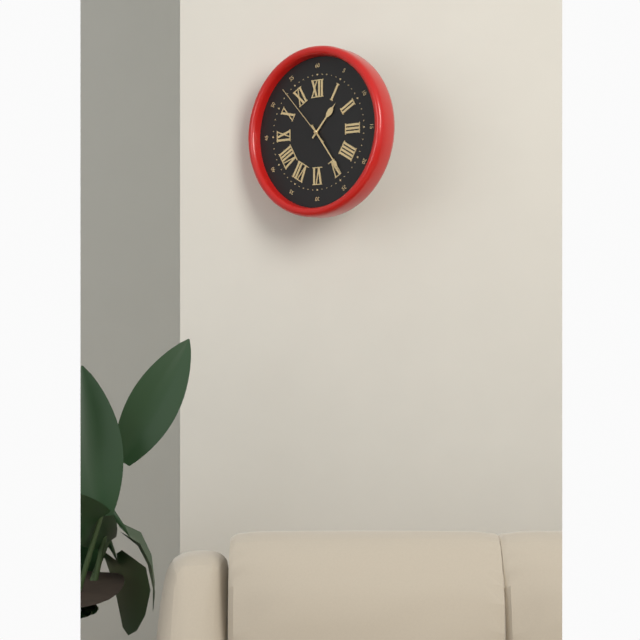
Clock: 1 h 24 min 53 s
